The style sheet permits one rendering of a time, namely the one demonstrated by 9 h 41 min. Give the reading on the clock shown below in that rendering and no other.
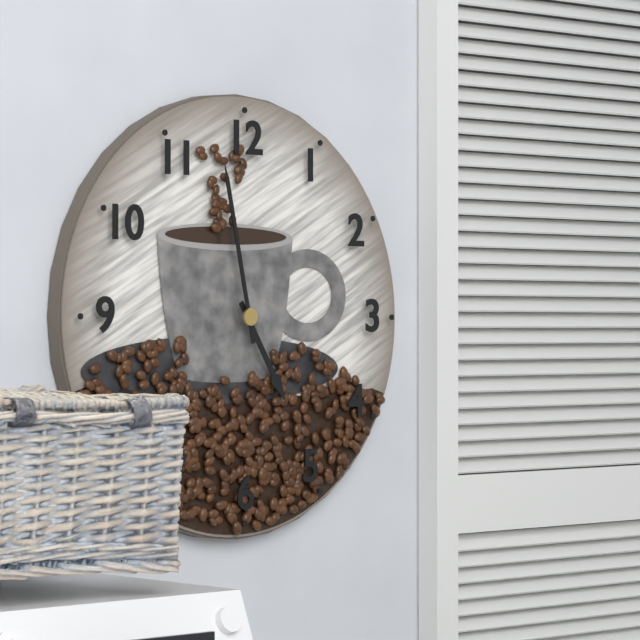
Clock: 4 h 58 min
